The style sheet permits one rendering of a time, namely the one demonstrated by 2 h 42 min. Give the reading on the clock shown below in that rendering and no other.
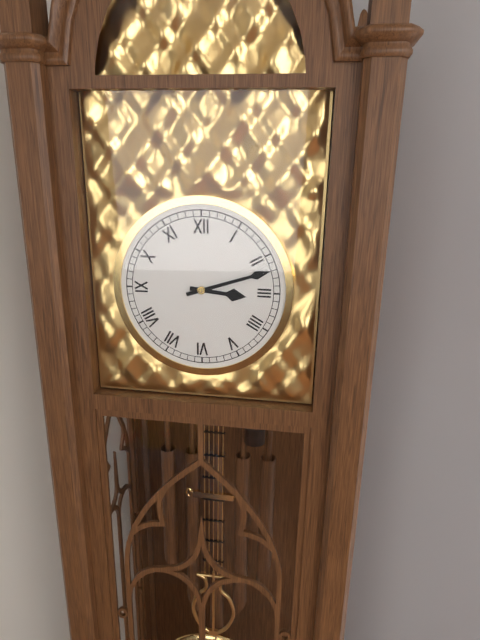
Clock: 3 h 12 min
